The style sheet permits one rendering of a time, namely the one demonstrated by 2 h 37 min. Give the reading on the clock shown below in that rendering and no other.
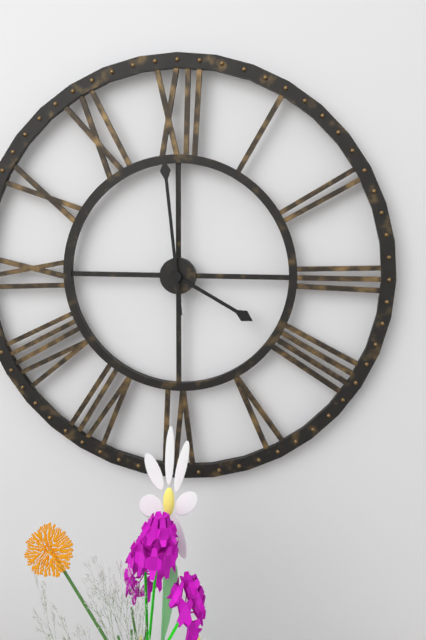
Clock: 3 h 59 min
